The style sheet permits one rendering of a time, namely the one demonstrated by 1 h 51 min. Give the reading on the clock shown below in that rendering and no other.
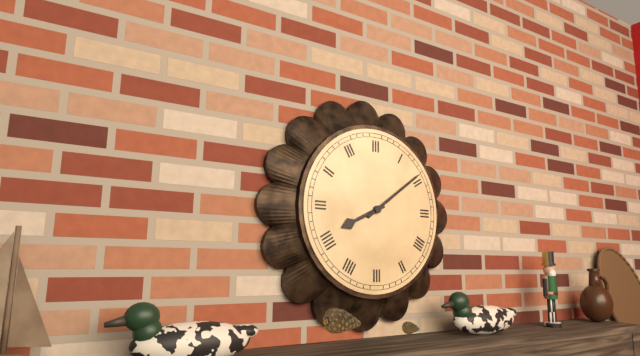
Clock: 8 h 09 min
